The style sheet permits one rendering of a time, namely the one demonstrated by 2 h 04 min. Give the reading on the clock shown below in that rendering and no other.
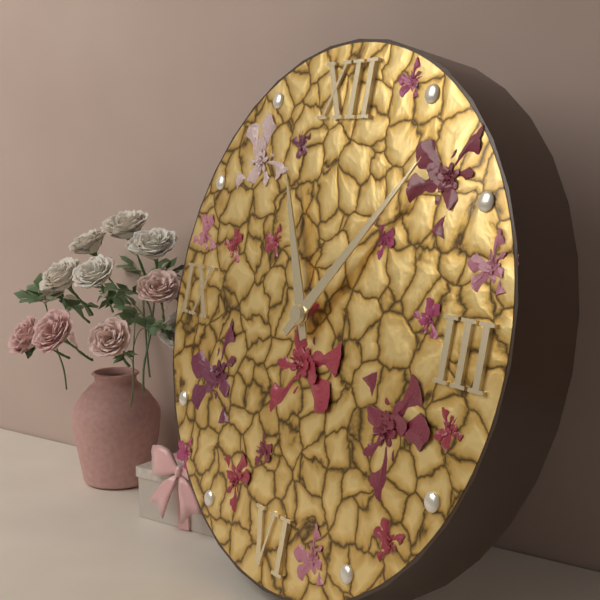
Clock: 11 h 07 min
